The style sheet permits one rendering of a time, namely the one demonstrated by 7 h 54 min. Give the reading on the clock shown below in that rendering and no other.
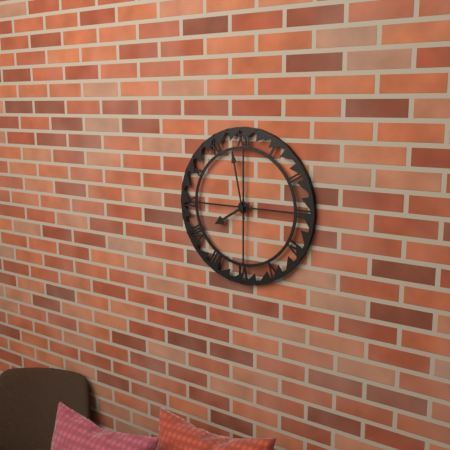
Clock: 7 h 58 min
